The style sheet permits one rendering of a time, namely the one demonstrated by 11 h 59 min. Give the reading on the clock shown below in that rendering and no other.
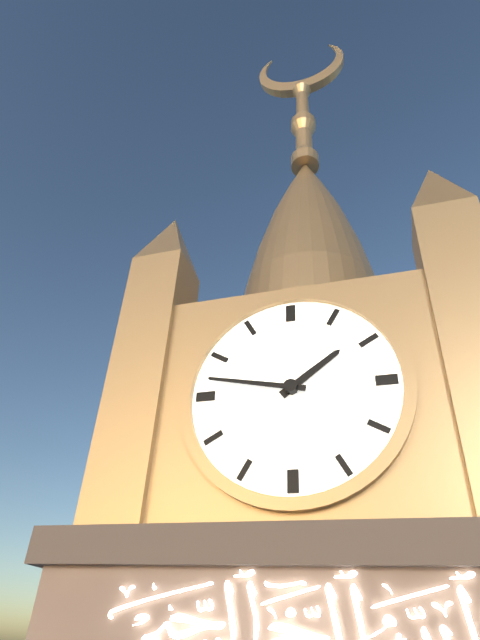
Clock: 1 h 47 min
